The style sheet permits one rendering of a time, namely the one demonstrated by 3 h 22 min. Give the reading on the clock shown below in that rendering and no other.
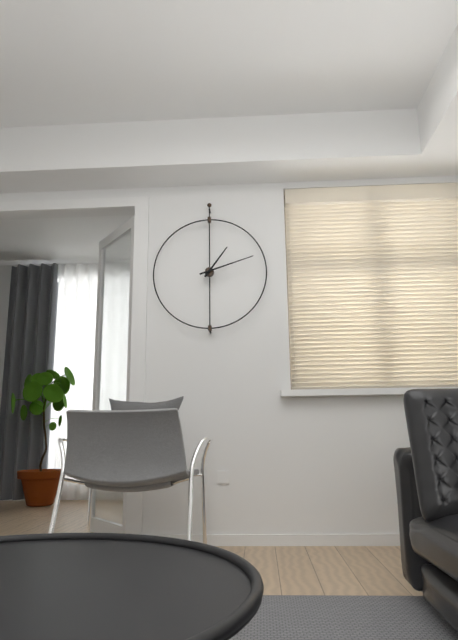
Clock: 1 h 12 min
